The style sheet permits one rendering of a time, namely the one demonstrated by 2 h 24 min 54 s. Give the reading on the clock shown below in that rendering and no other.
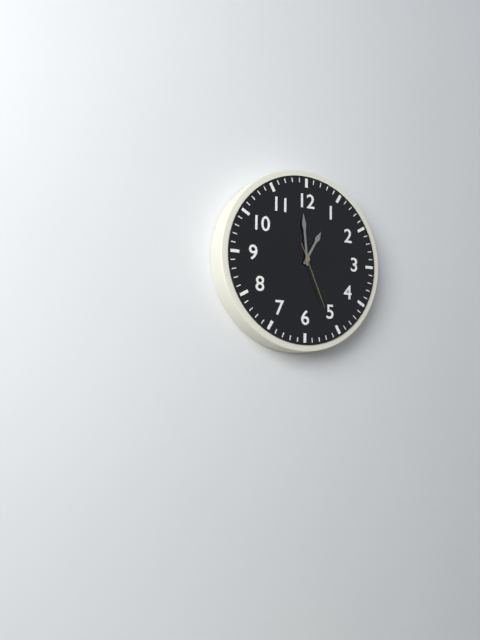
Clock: 12 h 59 min 26 s
